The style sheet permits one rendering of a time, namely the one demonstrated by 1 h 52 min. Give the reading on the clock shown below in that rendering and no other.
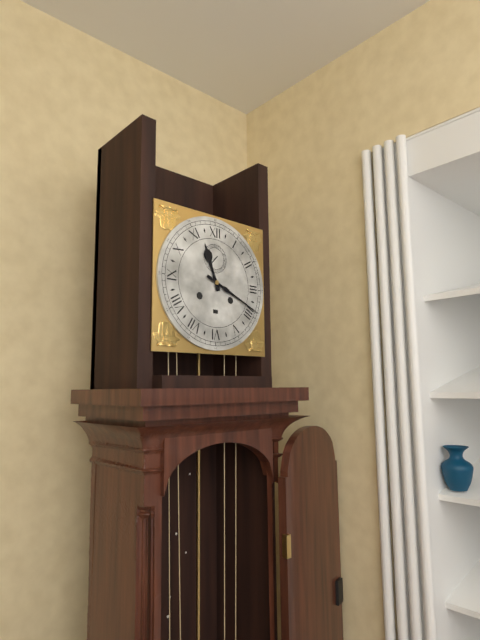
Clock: 11 h 19 min
